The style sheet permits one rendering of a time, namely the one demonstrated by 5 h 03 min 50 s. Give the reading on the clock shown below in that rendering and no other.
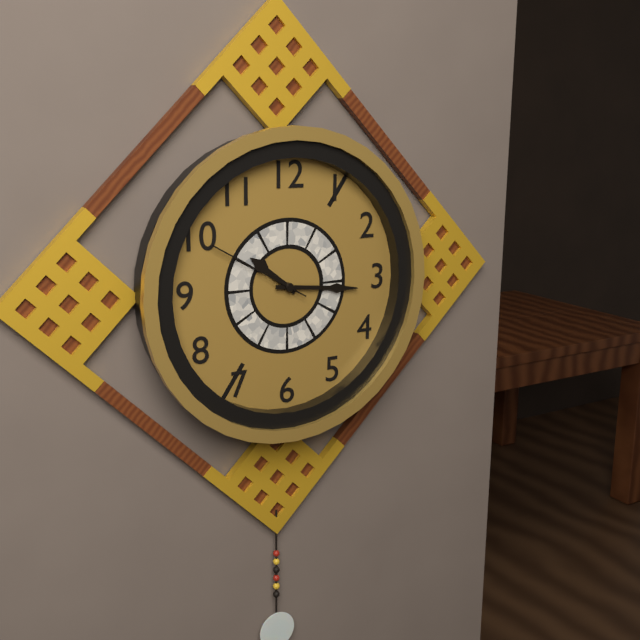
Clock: 10 h 16 min 50 s
